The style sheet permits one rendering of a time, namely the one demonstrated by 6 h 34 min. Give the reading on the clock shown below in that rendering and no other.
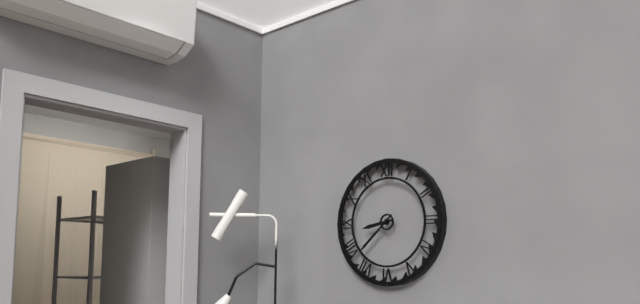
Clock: 8 h 38 min
